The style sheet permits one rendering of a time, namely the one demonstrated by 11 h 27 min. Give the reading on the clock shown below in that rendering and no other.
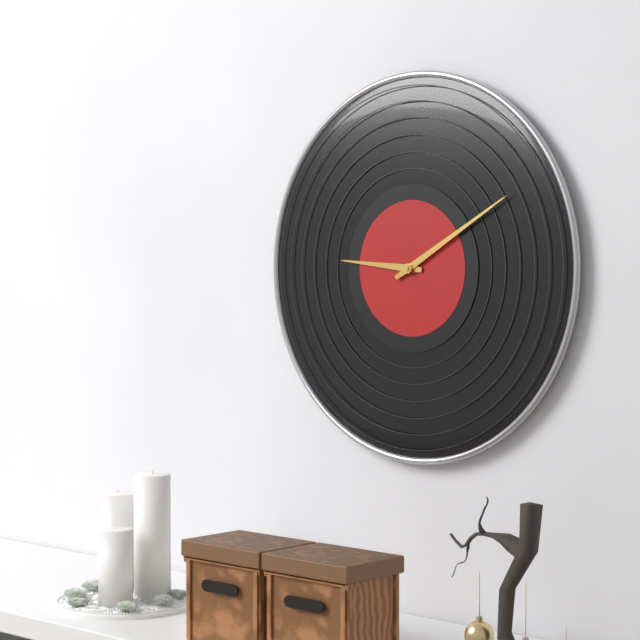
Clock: 9 h 10 min
